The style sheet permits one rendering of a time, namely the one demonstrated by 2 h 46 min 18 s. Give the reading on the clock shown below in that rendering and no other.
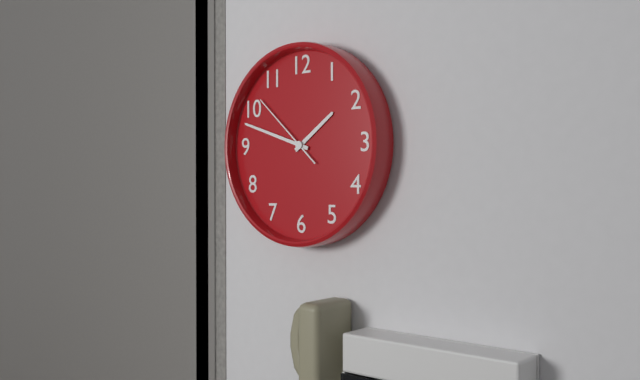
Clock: 1 h 48 min 52 s
